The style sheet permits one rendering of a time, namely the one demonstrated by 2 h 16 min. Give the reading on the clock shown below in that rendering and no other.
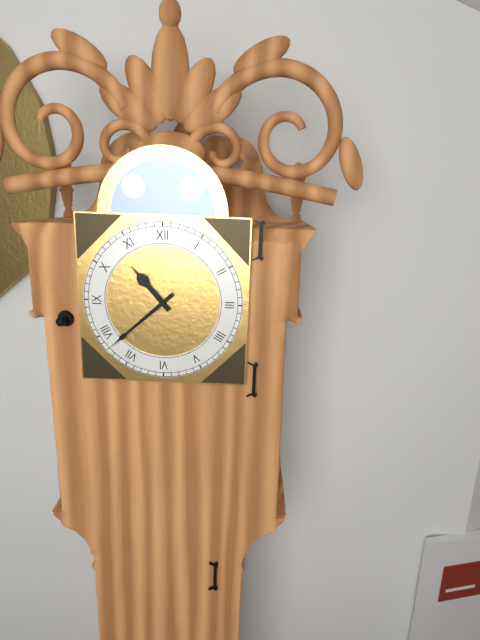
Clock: 10 h 38 min
